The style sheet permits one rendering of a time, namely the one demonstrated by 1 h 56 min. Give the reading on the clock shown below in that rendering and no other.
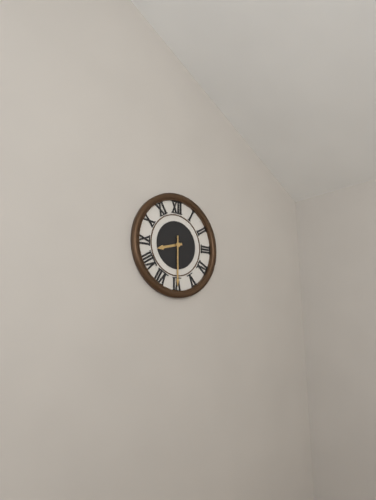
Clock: 8 h 30 min
